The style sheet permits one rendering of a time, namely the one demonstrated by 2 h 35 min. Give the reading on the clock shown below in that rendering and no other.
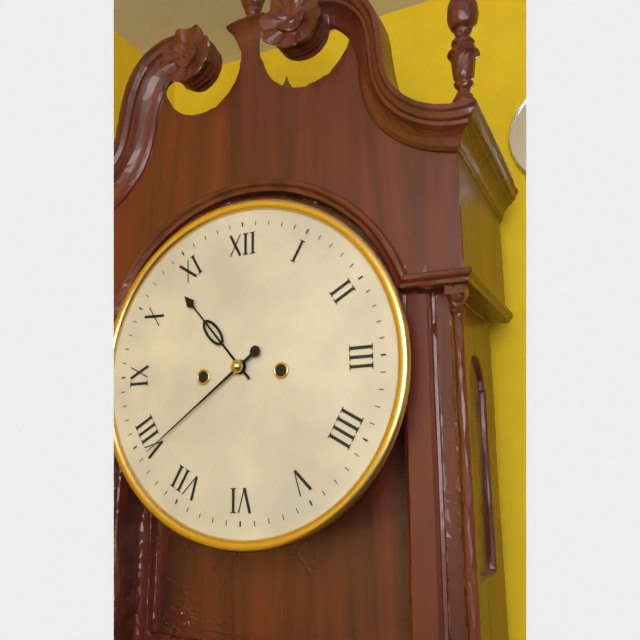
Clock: 10 h 39 min
